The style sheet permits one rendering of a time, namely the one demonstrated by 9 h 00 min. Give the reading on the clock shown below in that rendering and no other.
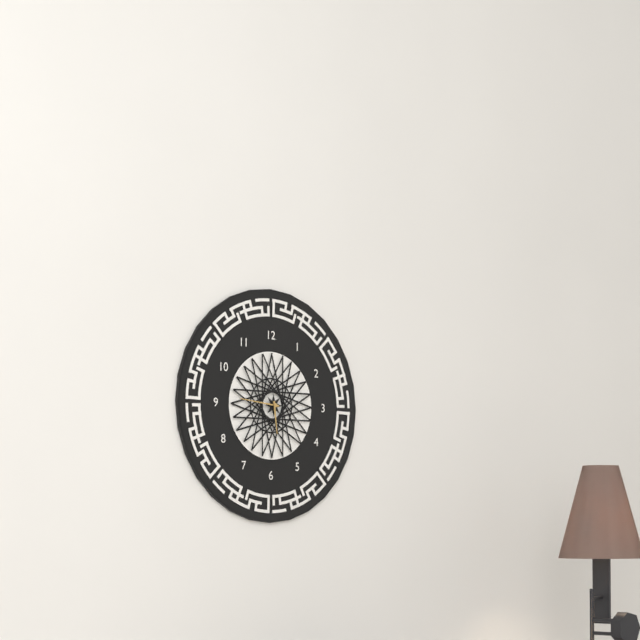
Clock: 5 h 46 min
